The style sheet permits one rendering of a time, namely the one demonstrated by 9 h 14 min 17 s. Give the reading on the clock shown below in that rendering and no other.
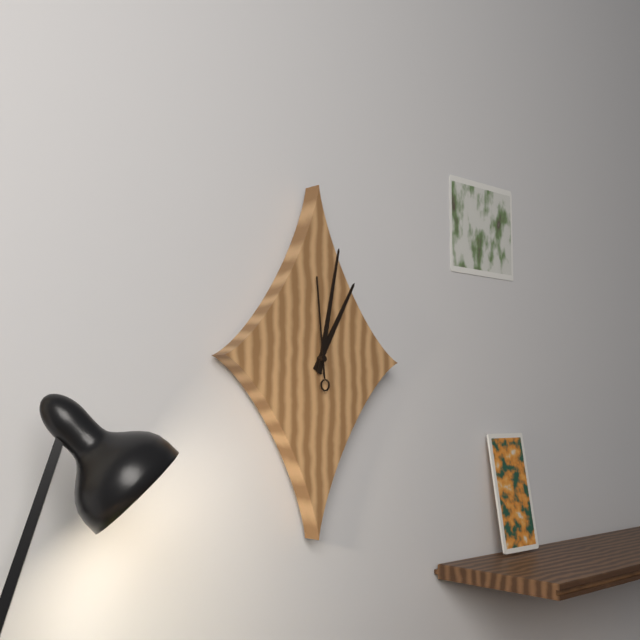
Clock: 1 h 02 min 59 s
